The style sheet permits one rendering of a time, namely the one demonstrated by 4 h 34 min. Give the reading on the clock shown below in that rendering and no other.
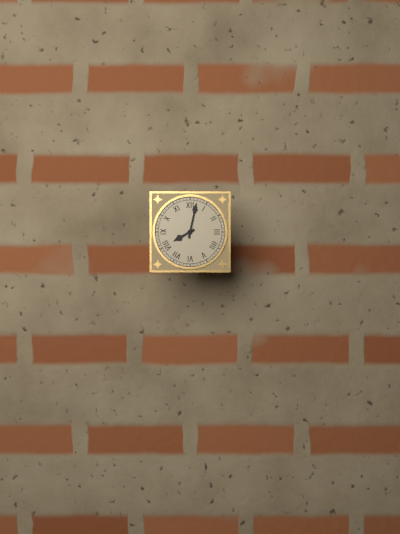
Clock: 8 h 02 min
